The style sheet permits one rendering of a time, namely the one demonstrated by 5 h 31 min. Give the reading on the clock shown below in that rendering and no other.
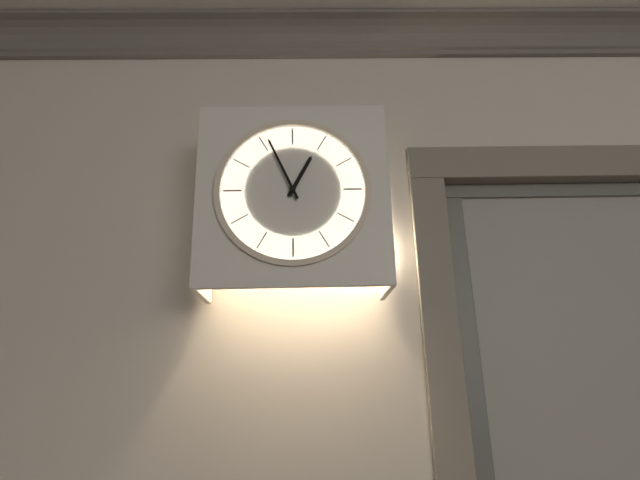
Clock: 12 h 56 min
